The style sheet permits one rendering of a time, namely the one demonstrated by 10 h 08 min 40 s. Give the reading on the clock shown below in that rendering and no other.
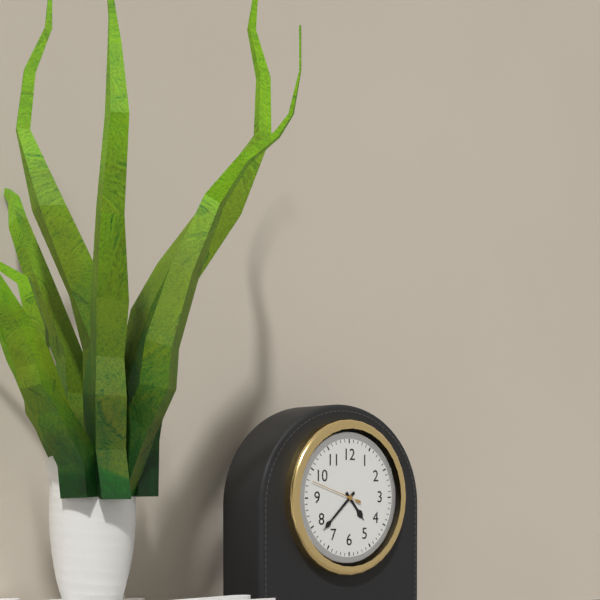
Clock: 4 h 38 min 48 s
